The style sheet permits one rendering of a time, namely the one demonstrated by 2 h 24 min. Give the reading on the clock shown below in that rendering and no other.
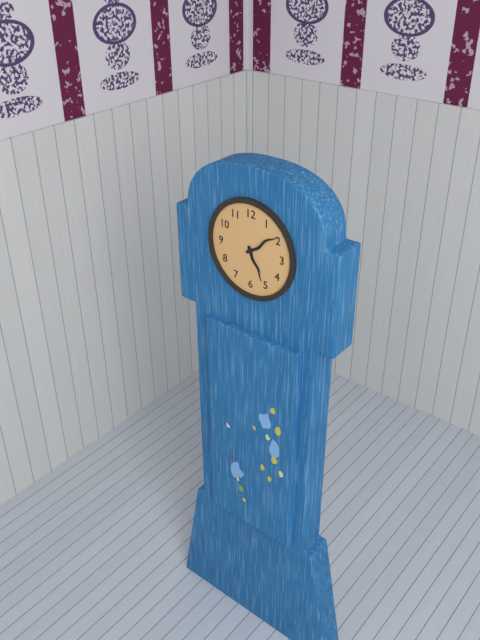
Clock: 5 h 09 min
